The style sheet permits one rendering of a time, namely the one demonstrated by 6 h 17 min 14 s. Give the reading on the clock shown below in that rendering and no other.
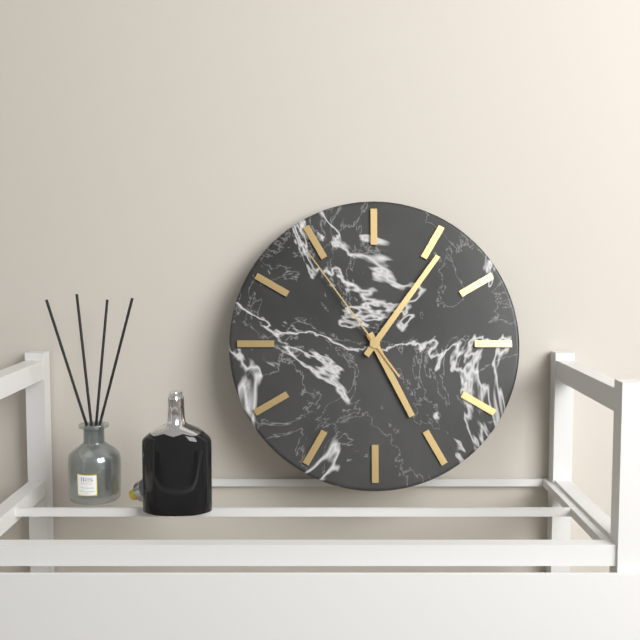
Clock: 5 h 06 min 54 s
